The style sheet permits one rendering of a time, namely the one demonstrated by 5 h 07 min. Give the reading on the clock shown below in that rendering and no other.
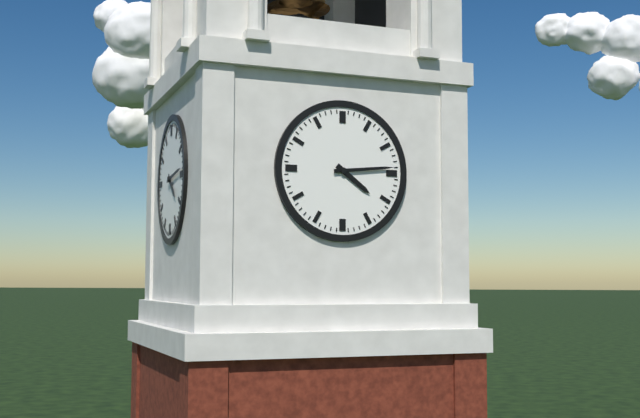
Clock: 4 h 14 min
